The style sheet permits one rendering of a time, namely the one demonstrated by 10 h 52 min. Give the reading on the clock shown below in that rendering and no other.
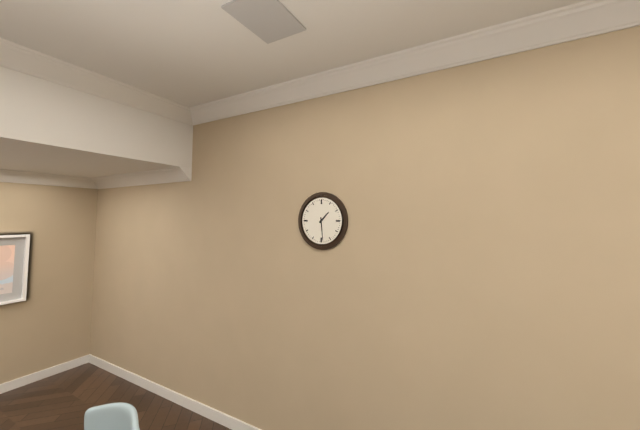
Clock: 1 h 29 min
